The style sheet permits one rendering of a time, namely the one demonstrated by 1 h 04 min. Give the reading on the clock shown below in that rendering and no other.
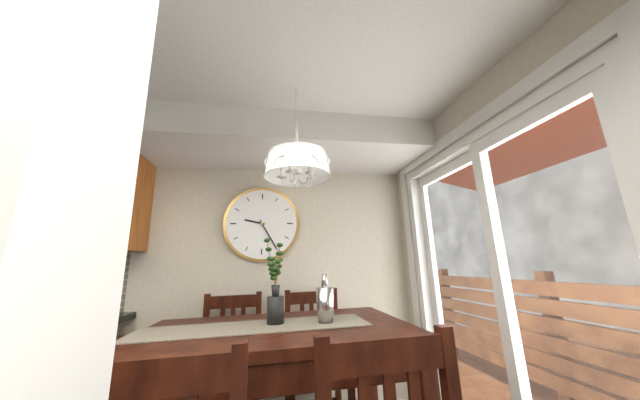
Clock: 9 h 25 min
